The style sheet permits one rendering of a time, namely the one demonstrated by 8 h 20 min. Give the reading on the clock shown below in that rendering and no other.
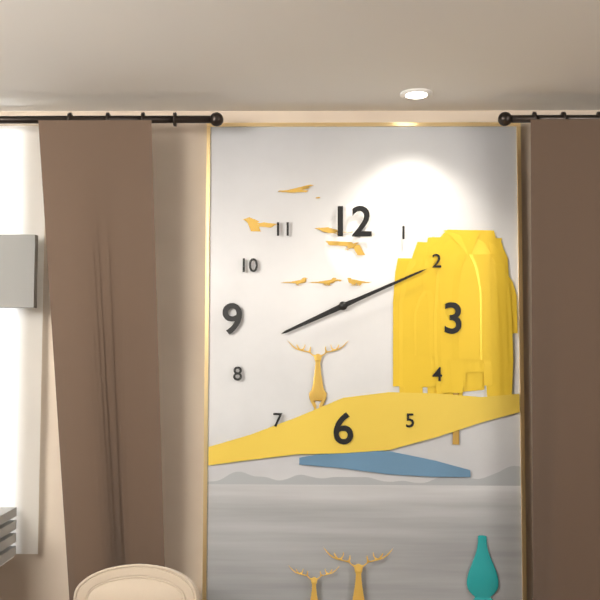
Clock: 8 h 11 min
